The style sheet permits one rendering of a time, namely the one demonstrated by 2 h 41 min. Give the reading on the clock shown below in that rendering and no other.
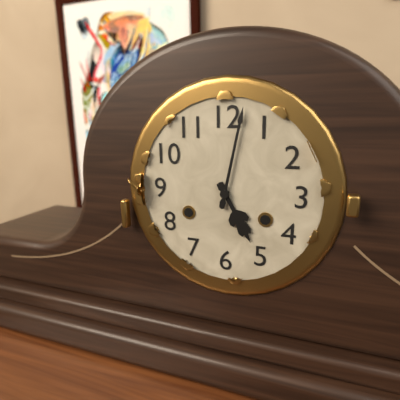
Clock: 5 h 02 min
